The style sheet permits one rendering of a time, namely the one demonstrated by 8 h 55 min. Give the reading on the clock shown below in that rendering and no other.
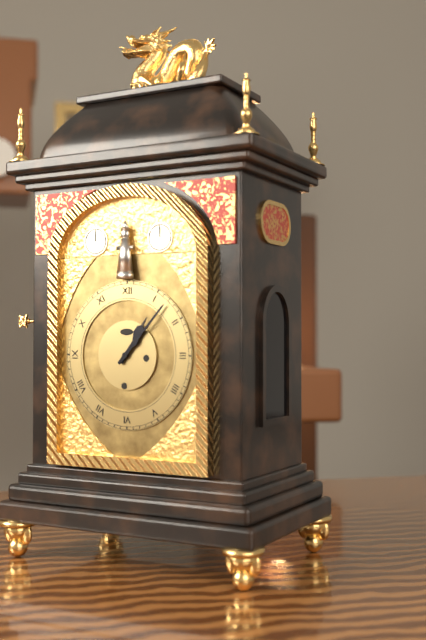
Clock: 1 h 07 min
